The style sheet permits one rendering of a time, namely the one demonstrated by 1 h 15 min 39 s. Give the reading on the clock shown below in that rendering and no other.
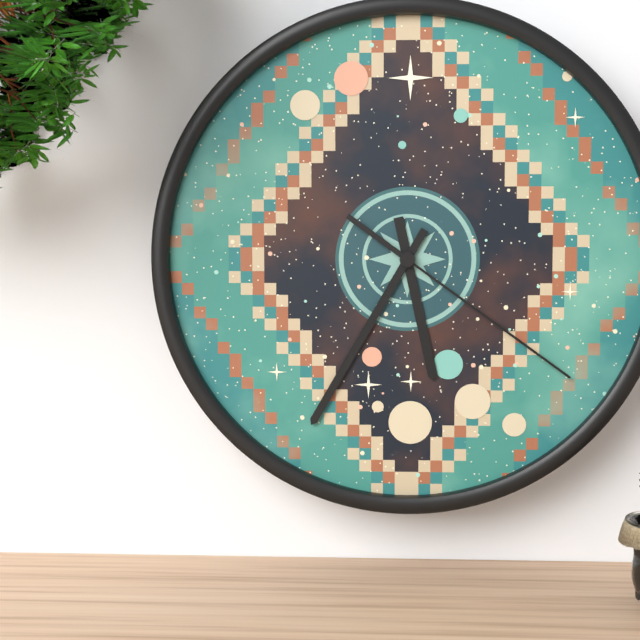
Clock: 5 h 35 min 21 s
